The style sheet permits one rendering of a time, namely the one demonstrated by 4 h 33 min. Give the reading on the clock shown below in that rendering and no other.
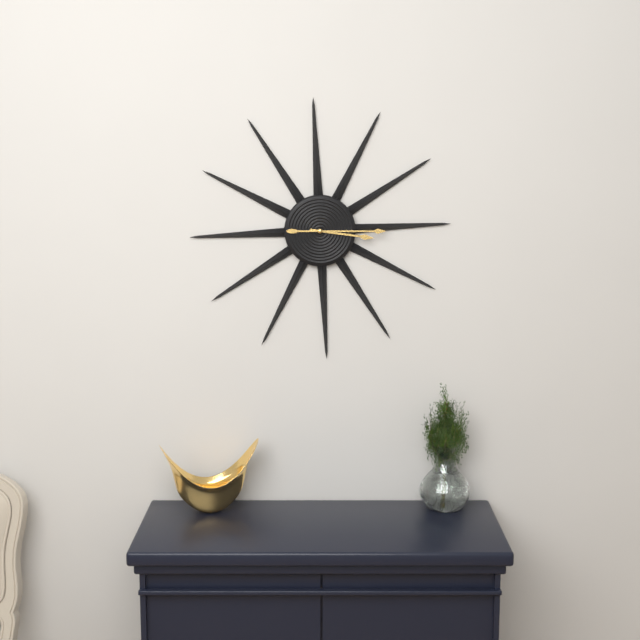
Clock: 3 h 15 min
